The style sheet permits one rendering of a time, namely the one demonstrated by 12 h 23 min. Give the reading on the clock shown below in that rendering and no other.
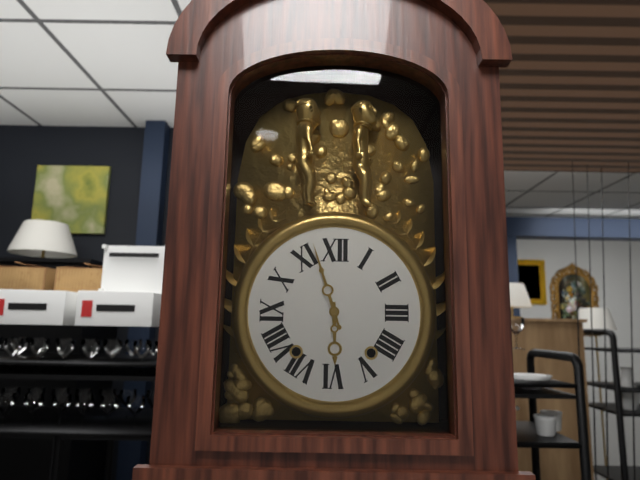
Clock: 5 h 57 min
